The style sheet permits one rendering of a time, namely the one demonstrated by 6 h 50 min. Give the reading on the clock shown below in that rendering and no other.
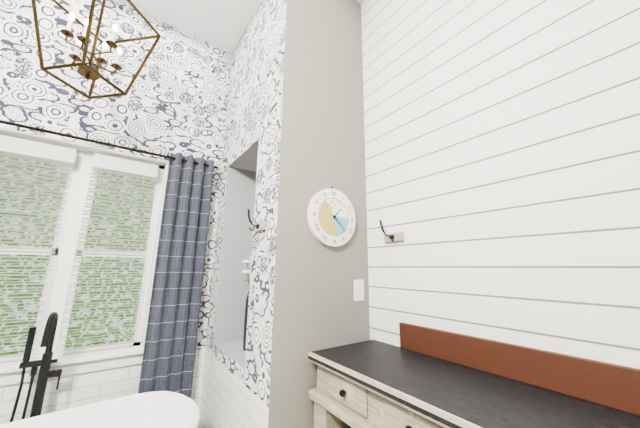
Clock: 1 h 22 min
